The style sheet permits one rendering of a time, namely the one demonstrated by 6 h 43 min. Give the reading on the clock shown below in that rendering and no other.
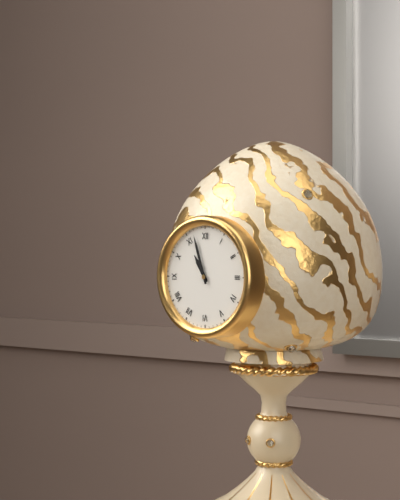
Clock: 10 h 57 min
